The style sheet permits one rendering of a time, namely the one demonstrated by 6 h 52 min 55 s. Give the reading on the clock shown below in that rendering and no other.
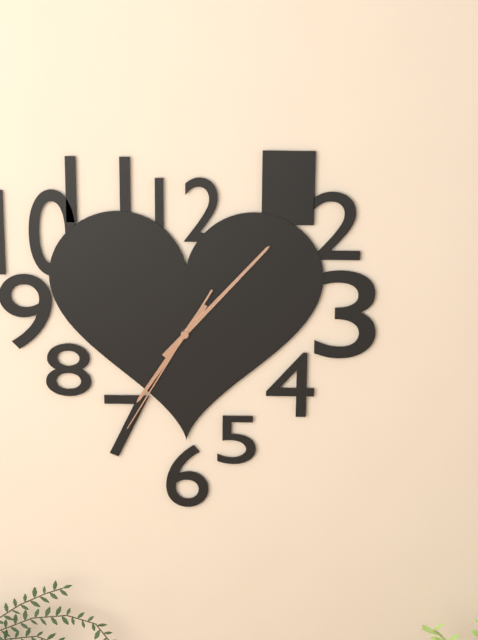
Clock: 7 h 07 min 35 s
